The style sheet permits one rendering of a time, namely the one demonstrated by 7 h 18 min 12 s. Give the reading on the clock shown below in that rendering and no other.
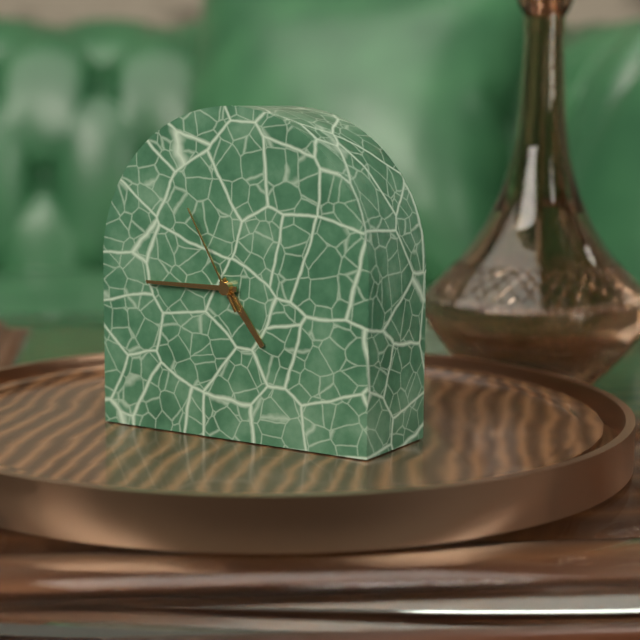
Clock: 4 h 45 min 55 s
